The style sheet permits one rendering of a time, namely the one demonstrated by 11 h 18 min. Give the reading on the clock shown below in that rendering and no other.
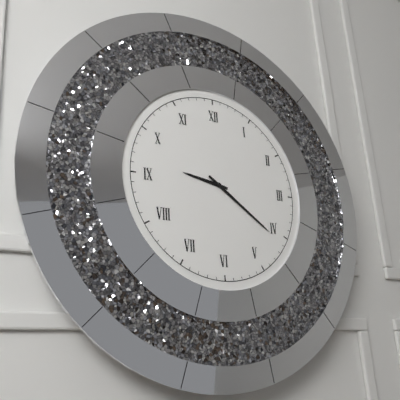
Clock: 9 h 21 min
